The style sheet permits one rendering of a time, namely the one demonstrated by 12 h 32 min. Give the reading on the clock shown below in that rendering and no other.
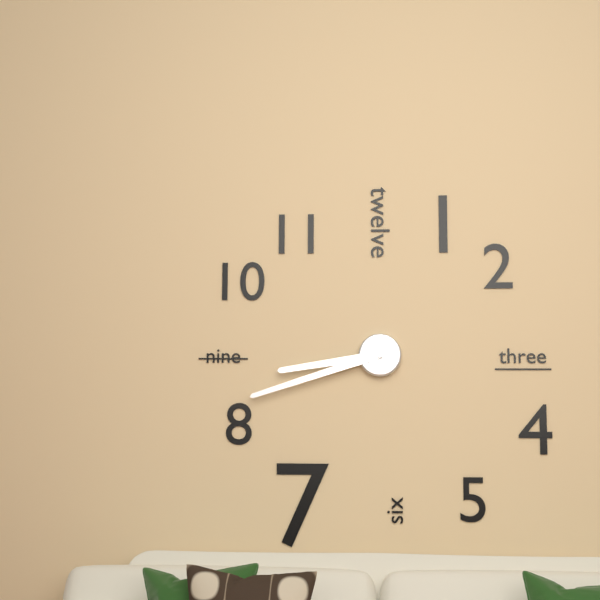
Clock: 8 h 42 min
